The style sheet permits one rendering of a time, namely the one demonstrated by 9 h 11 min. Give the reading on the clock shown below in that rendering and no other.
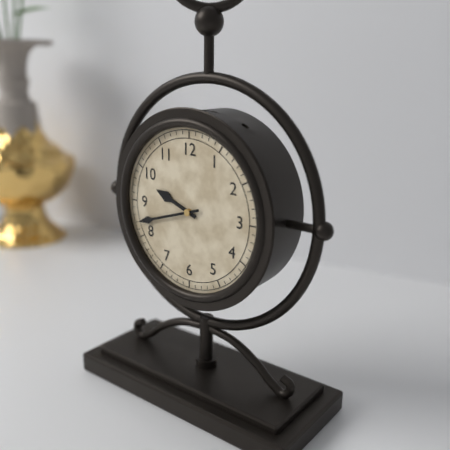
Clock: 9 h 42 min
